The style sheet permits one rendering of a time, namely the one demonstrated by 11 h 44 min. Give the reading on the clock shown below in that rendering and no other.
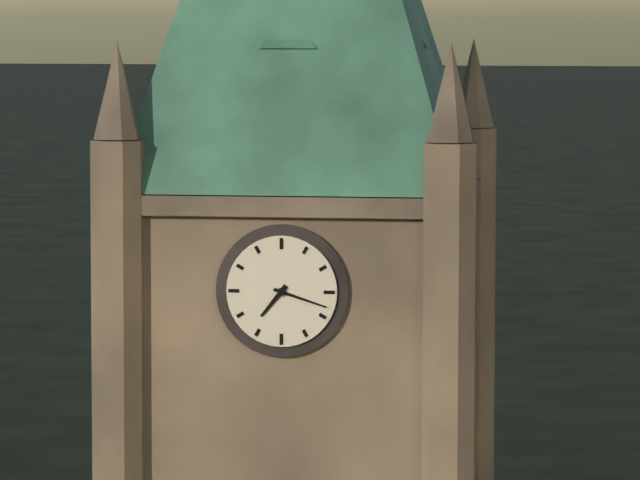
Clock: 7 h 18 min
